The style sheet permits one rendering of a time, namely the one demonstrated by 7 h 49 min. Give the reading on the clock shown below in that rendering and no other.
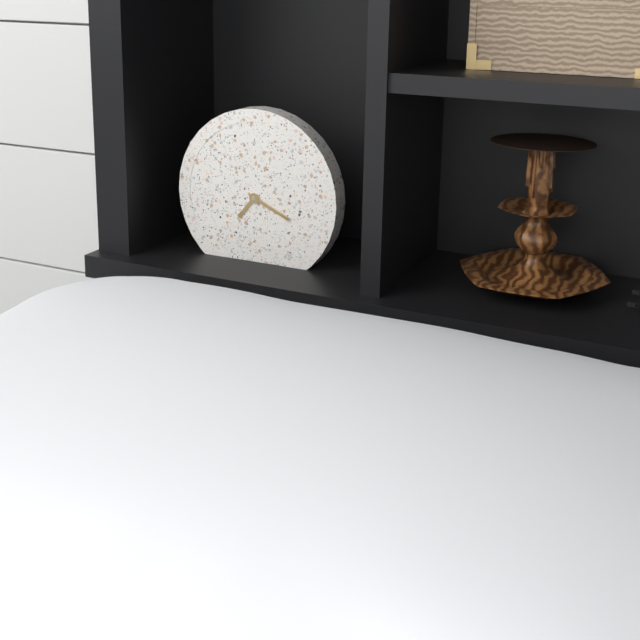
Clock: 7 h 19 min
